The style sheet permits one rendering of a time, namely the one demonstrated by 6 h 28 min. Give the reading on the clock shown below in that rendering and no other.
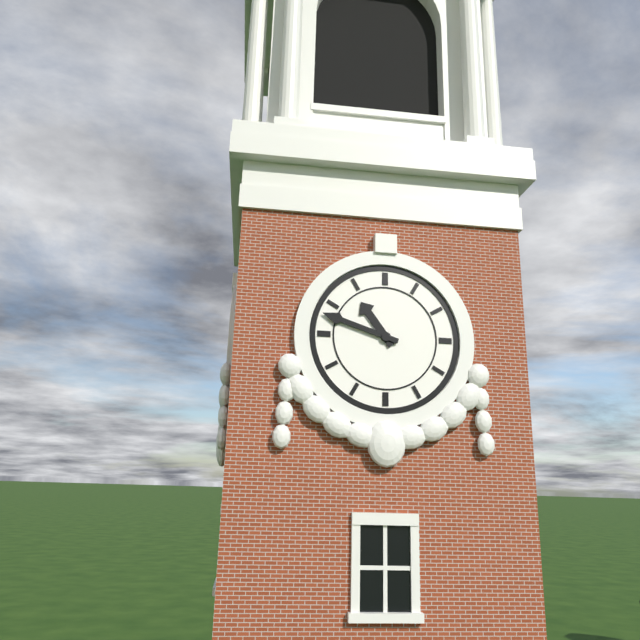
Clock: 10 h 48 min
